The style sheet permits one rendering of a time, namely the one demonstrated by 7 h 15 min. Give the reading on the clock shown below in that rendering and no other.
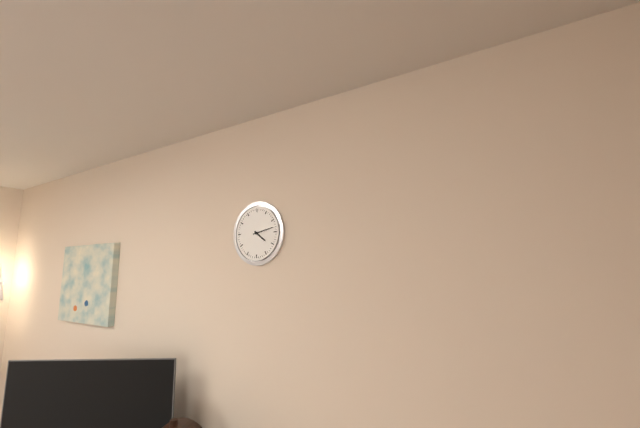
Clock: 4 h 13 min
